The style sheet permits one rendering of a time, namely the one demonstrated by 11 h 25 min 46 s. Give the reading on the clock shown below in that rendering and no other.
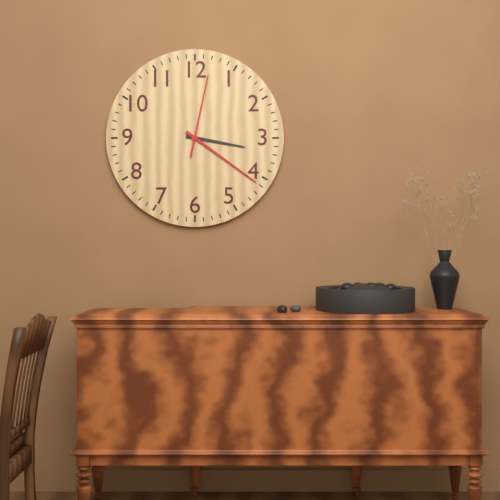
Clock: 3 h 21 min 02 s
